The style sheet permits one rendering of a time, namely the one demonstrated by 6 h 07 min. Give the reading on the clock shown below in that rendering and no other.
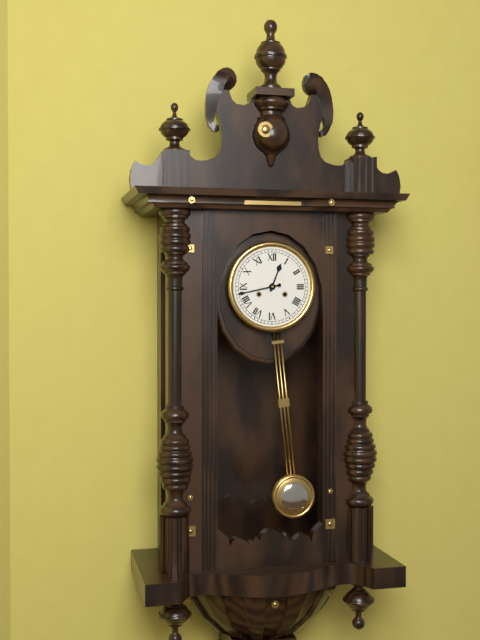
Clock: 12 h 43 min
